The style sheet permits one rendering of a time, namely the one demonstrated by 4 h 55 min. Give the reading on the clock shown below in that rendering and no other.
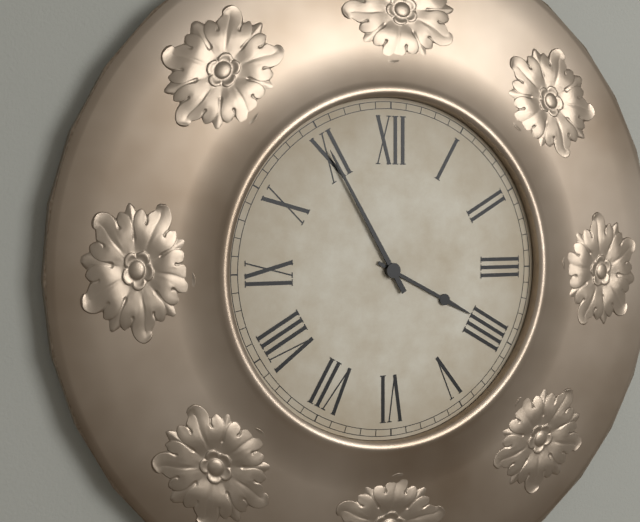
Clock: 3 h 55 min
